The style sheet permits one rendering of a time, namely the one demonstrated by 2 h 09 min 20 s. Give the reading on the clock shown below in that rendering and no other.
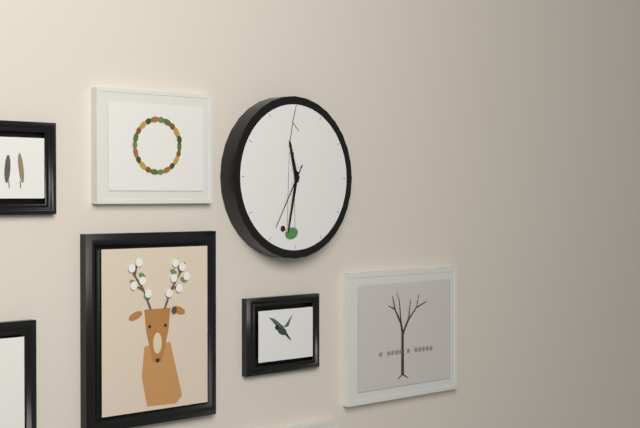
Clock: 11 h 32 min 35 s
